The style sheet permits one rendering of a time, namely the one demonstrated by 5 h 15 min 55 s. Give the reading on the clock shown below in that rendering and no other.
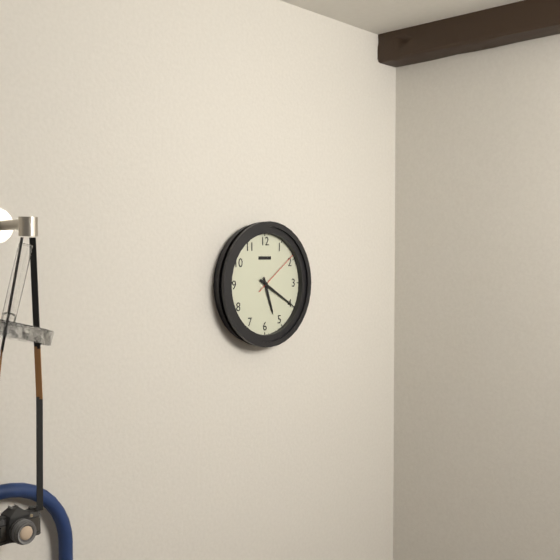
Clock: 5 h 20 min 09 s
